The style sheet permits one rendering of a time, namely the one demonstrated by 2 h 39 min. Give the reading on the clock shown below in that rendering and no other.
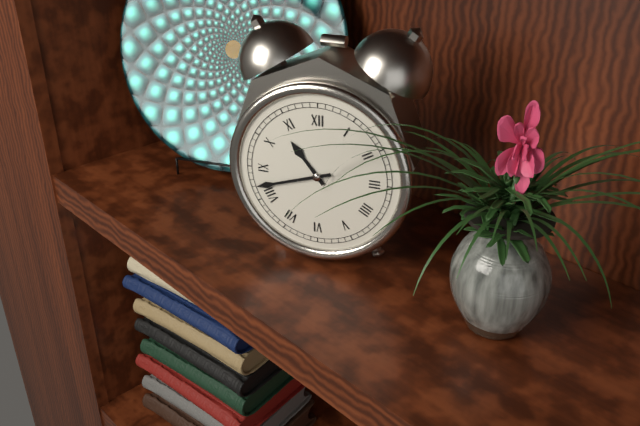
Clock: 10 h 42 min
